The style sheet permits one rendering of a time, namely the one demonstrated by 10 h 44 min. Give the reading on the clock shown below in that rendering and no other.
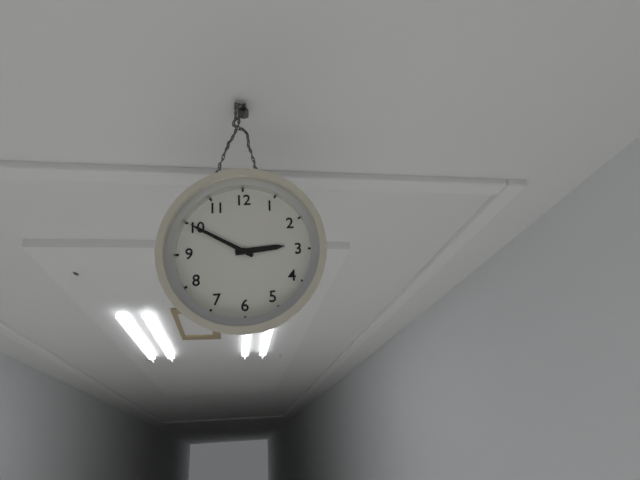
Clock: 2 h 50 min
